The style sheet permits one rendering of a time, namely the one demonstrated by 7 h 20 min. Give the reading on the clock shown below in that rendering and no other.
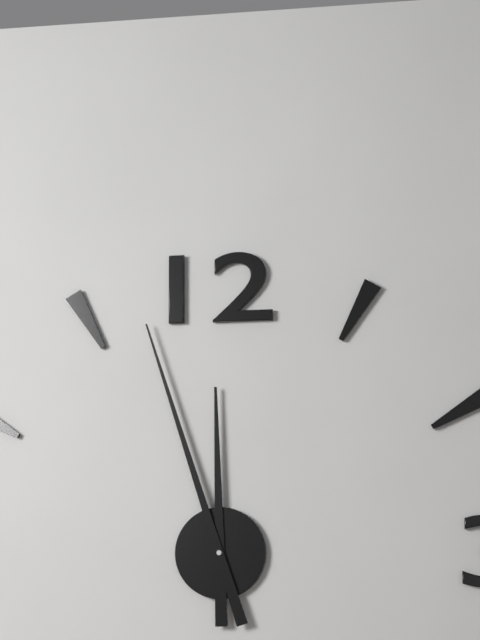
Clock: 11 h 57 min
